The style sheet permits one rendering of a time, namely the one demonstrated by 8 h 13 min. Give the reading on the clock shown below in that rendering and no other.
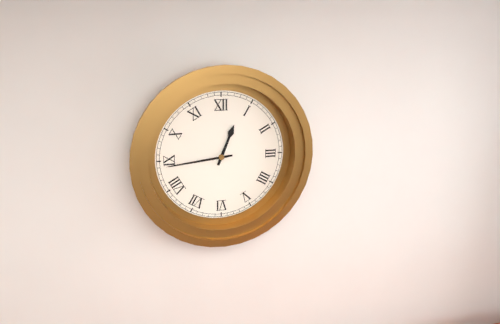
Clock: 12 h 44 min
